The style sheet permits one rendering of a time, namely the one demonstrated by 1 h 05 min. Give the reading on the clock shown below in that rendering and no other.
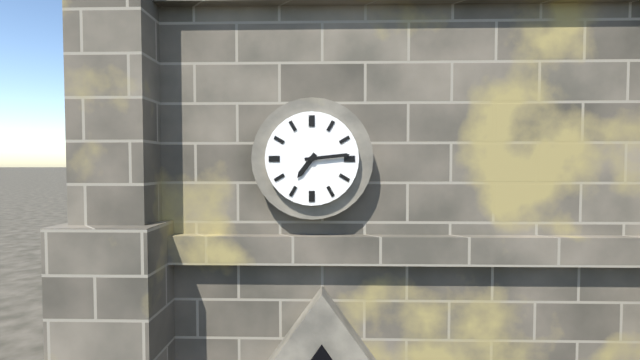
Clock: 7 h 14 min
